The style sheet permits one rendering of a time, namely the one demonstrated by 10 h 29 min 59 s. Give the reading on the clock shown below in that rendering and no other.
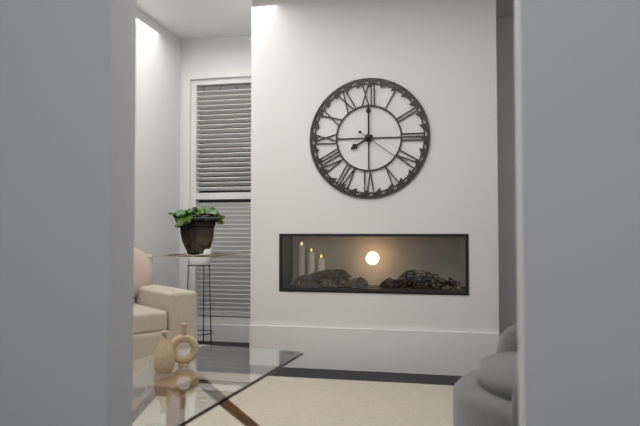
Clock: 8 h 00 min 21 s
